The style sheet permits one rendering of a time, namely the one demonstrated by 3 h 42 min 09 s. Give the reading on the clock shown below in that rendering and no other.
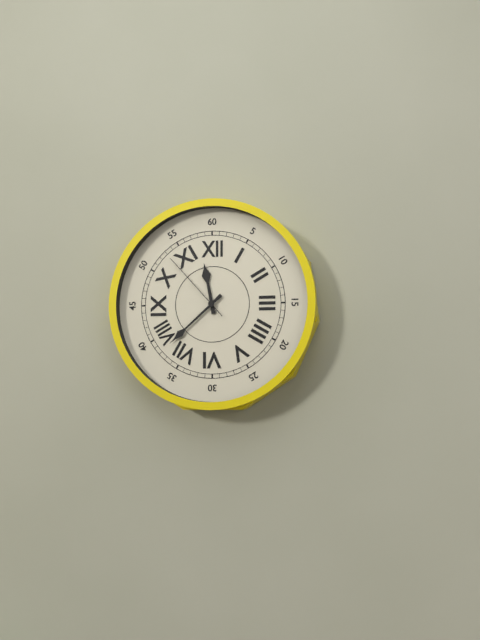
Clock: 11 h 38 min 53 s
